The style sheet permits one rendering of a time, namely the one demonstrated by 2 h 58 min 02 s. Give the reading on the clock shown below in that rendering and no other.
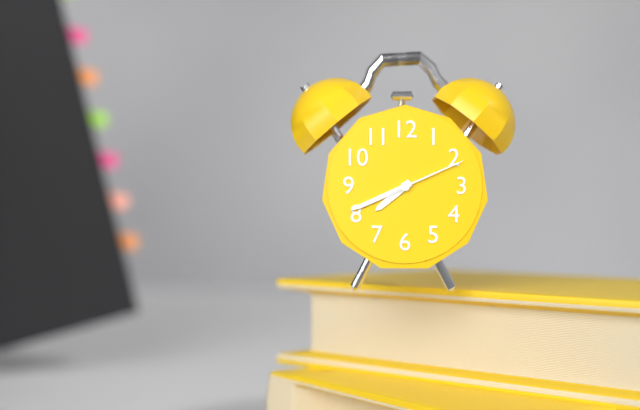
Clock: 7 h 41 min 11 s
